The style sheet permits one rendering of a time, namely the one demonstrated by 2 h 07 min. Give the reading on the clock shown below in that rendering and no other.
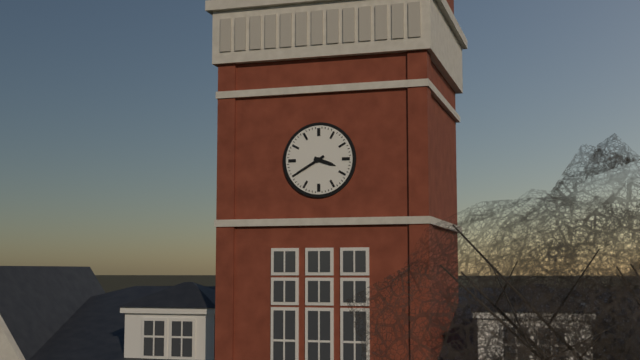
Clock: 3 h 40 min
